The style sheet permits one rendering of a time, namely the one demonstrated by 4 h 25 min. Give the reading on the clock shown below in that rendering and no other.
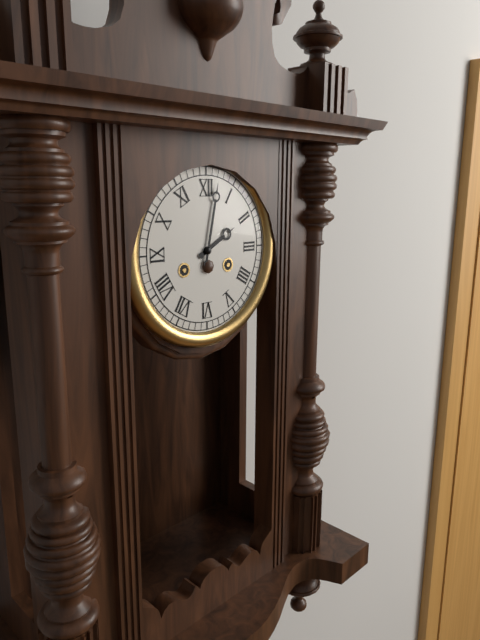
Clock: 2 h 02 min
